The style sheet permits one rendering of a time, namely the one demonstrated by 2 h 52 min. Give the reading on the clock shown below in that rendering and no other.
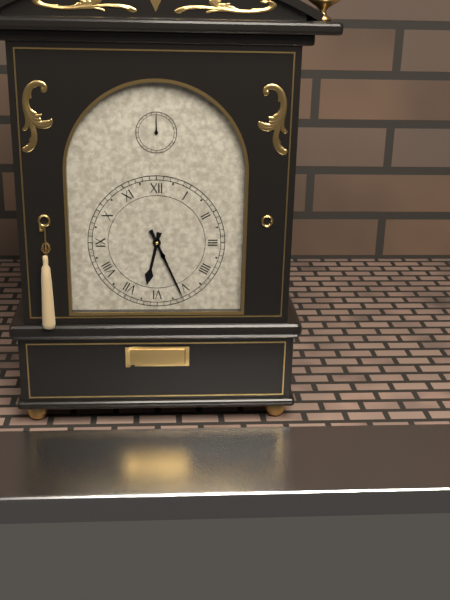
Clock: 6 h 26 min
